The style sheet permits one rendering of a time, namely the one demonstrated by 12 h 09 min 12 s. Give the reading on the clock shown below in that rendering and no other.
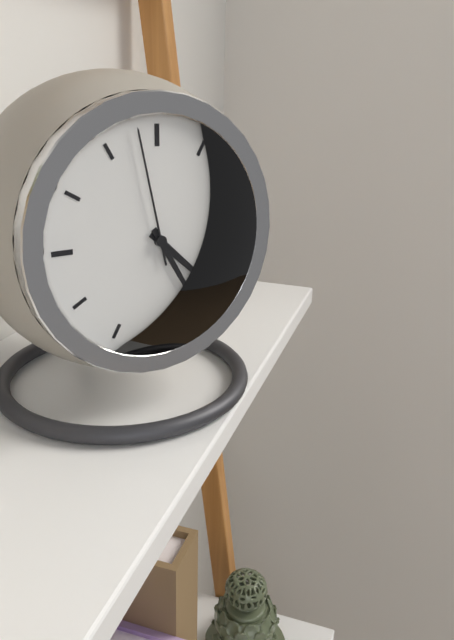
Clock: 4 h 25 min 58 s
